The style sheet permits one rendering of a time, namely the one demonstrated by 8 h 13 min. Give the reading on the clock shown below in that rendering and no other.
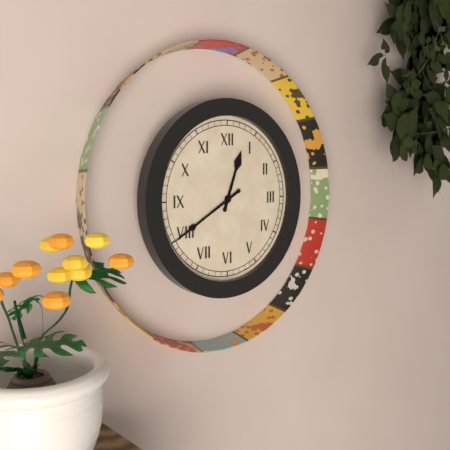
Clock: 12 h 40 min
